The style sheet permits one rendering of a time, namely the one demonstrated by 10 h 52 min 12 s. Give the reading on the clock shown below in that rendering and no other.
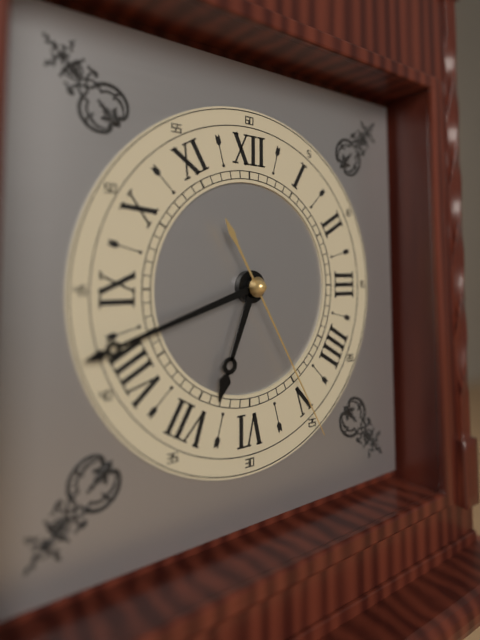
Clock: 6 h 42 min 25 s
